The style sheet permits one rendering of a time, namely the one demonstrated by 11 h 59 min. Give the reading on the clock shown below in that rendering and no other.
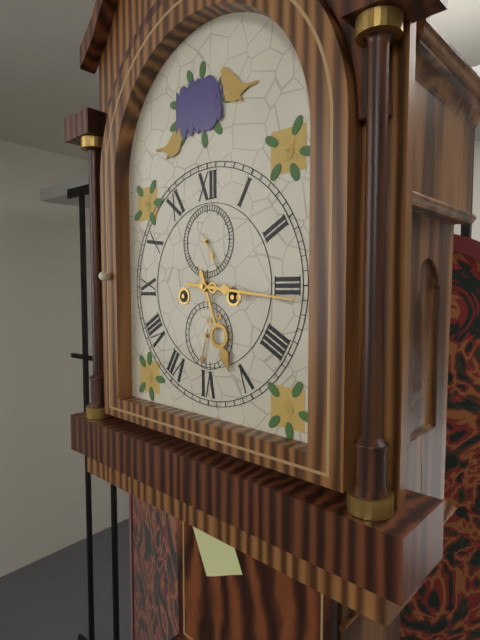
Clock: 5 h 16 min
